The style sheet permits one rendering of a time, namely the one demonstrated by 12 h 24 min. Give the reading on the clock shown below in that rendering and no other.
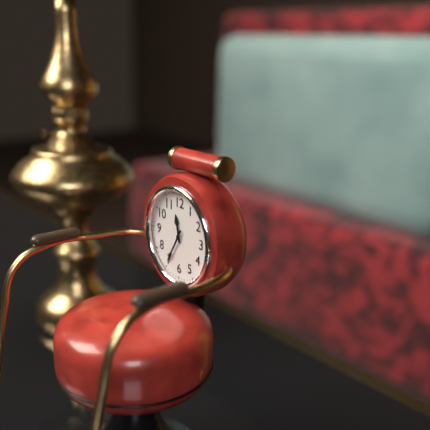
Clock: 11 h 35 min
